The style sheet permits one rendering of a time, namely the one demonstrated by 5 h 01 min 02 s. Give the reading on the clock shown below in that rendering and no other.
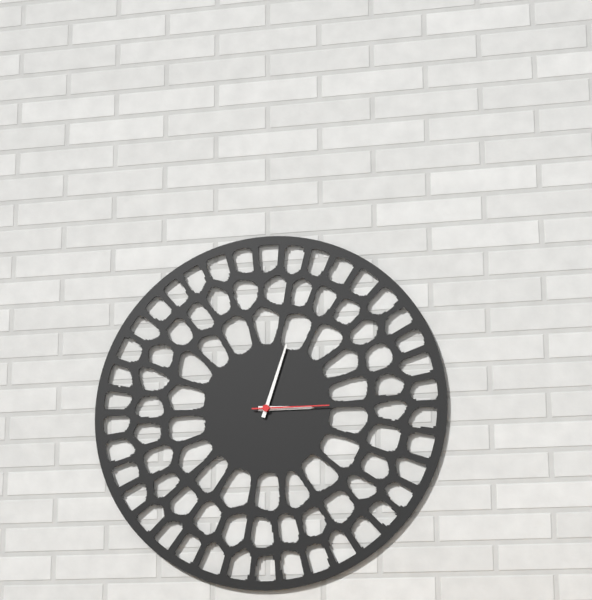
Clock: 3 h 03 min 15 s
